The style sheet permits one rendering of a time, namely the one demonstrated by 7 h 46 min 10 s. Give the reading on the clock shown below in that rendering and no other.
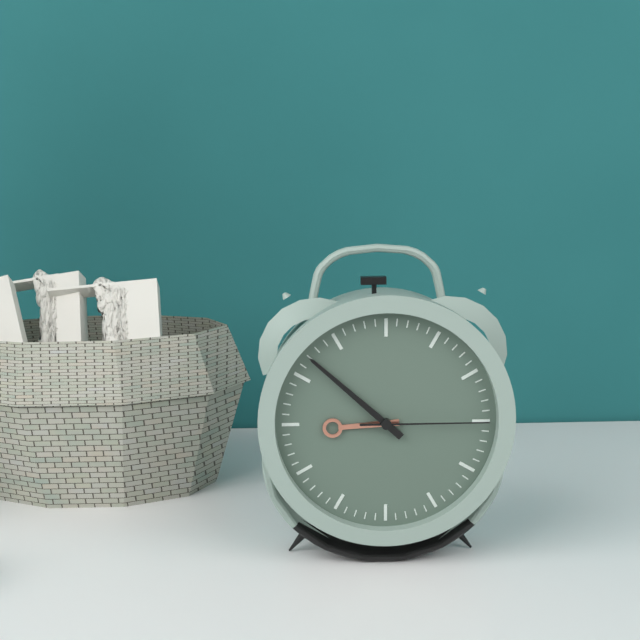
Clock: 8 h 52 min 15 s
